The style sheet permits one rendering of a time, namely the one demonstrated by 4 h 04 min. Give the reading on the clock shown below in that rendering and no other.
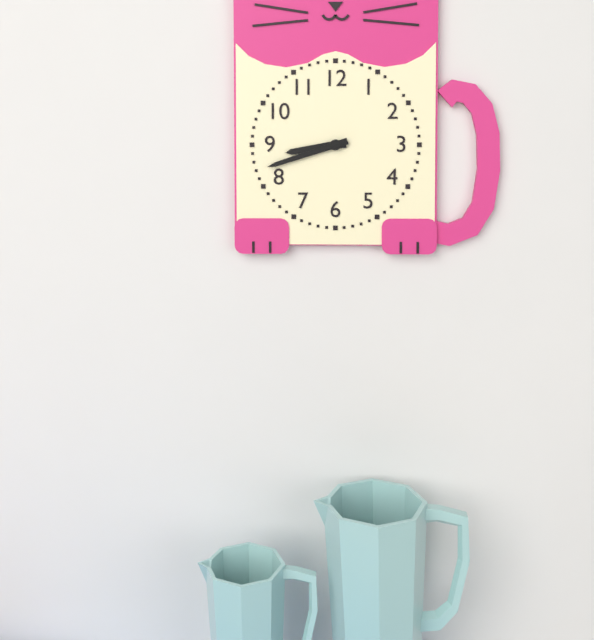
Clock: 8 h 42 min
